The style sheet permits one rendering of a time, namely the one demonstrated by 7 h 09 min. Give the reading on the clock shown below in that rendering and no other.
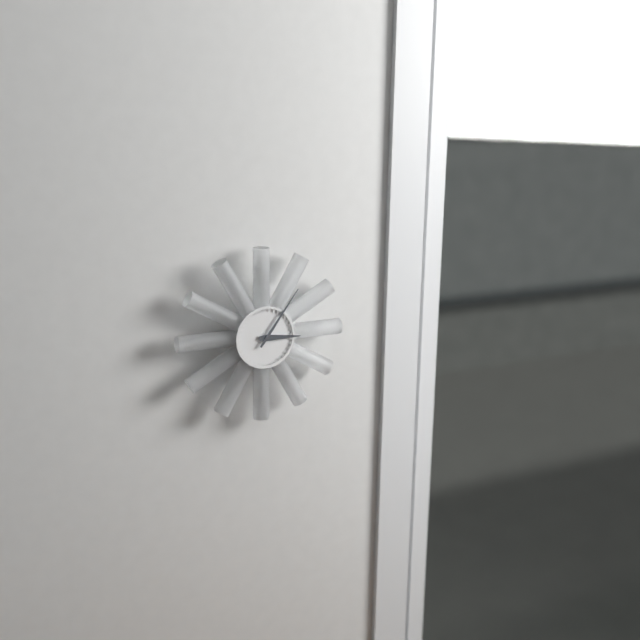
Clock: 3 h 06 min
